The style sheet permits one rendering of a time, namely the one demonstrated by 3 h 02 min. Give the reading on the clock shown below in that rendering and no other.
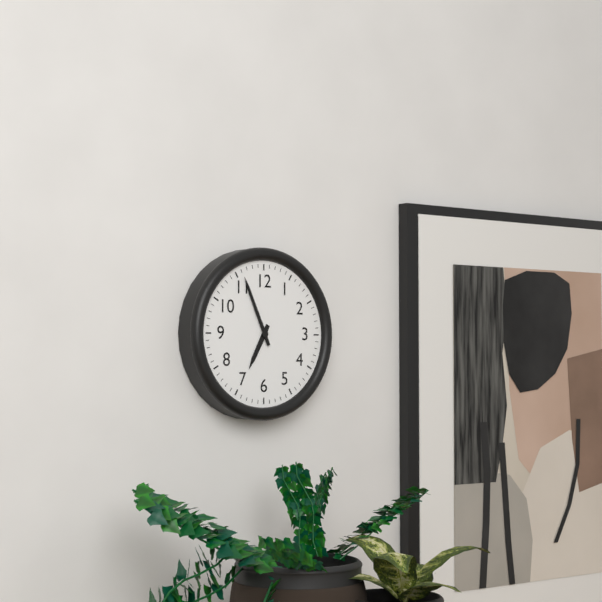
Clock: 6 h 56 min
